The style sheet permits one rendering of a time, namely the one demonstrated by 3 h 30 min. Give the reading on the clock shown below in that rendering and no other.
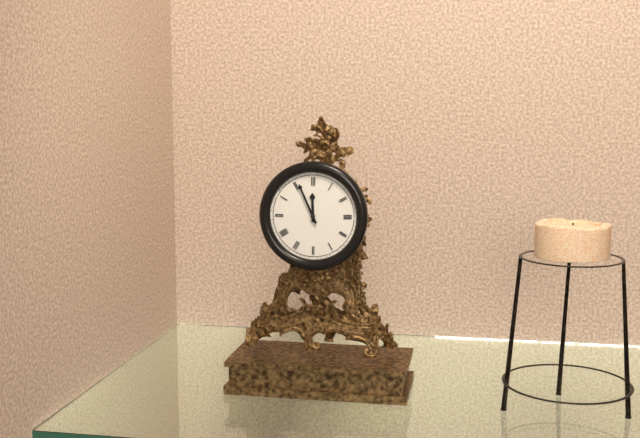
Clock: 11 h 56 min
